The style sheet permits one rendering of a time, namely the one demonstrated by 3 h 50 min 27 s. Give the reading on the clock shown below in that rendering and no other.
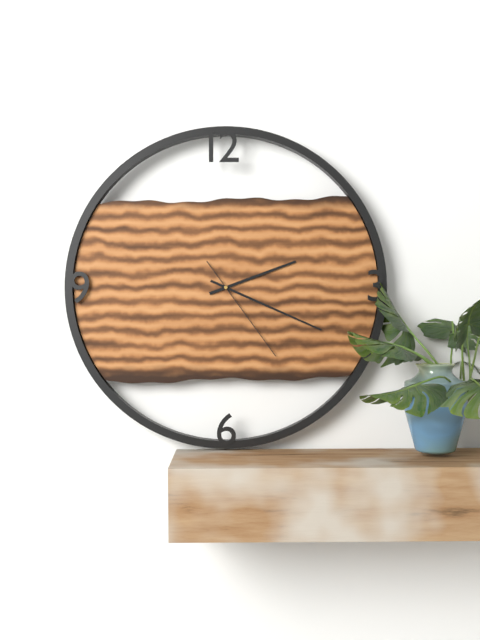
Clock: 2 h 19 min 24 s
